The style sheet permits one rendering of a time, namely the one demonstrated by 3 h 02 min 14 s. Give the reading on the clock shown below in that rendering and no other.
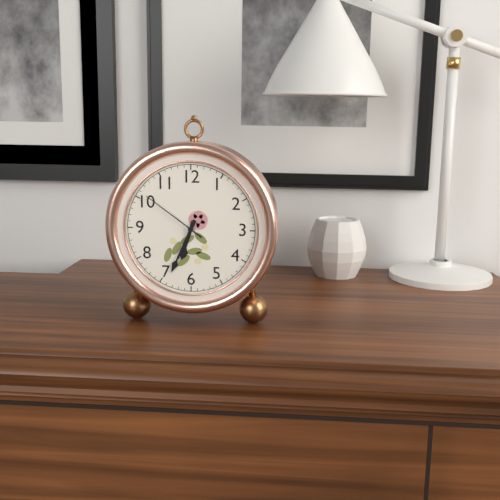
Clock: 6 h 34 min 51 s
